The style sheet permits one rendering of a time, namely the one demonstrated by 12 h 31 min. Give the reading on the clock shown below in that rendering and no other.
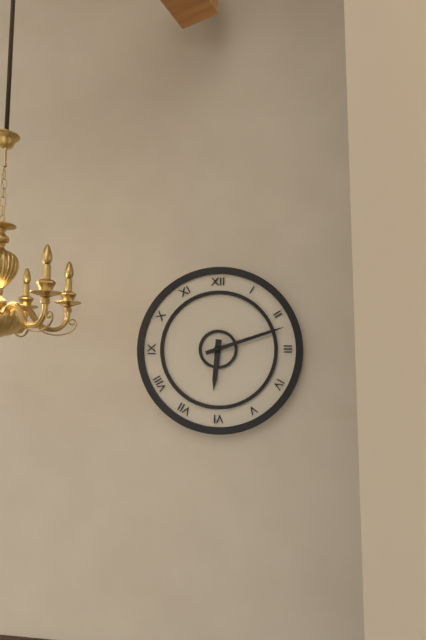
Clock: 6 h 12 min
